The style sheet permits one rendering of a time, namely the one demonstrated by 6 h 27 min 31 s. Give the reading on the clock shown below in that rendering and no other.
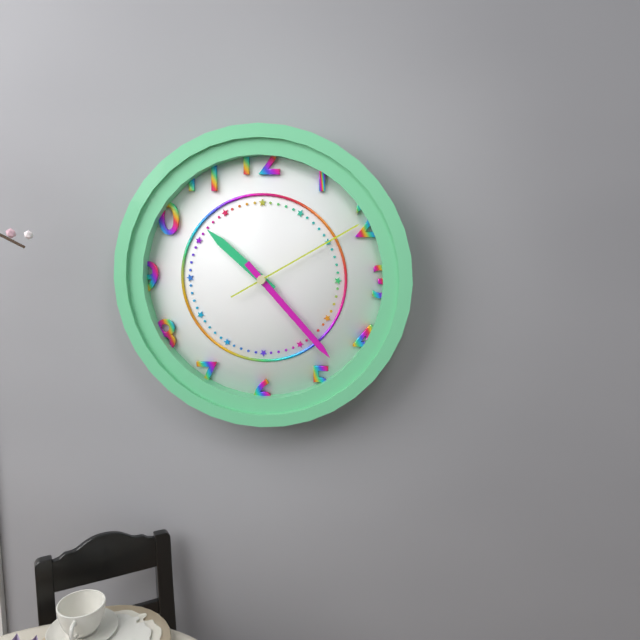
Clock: 10 h 23 min 10 s
